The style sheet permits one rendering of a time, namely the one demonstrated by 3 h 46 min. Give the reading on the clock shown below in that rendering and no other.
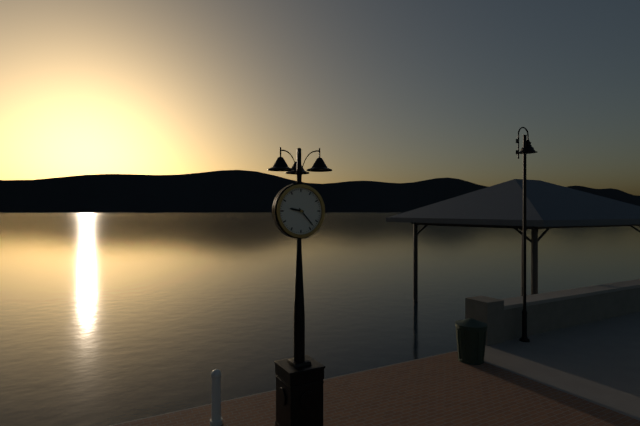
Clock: 9 h 23 min
